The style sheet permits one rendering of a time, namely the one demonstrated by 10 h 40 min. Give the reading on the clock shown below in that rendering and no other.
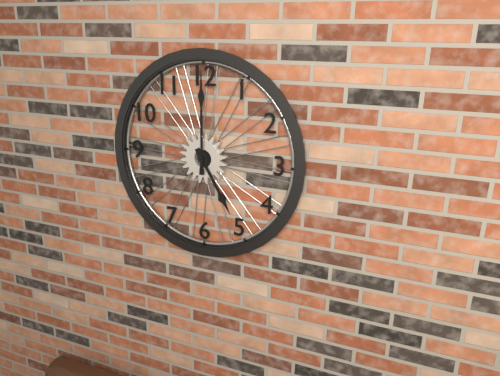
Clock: 5 h 00 min
